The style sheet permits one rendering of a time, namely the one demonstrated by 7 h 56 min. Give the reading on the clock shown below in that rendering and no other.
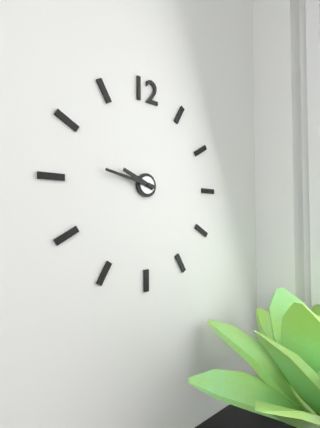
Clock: 9 h 47 min
